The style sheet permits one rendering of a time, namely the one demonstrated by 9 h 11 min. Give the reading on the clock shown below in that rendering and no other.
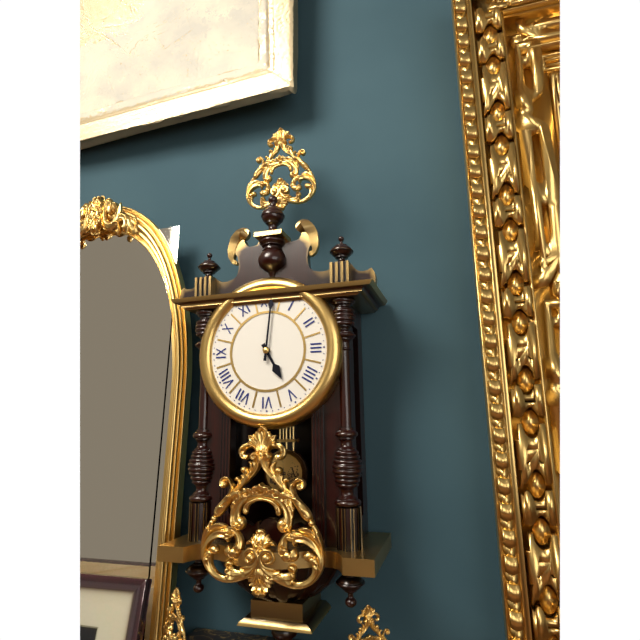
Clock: 5 h 01 min
